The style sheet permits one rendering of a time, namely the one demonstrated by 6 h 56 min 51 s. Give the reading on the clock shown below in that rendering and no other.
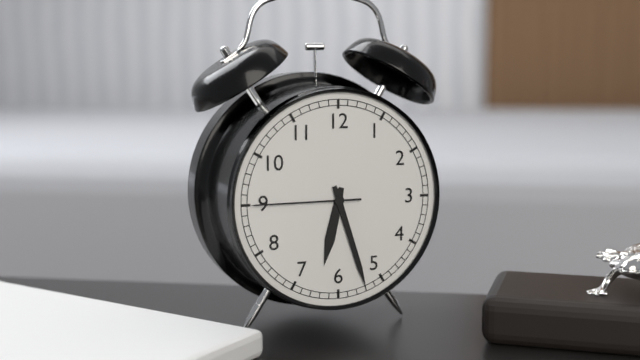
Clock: 6 h 27 min 45 s
